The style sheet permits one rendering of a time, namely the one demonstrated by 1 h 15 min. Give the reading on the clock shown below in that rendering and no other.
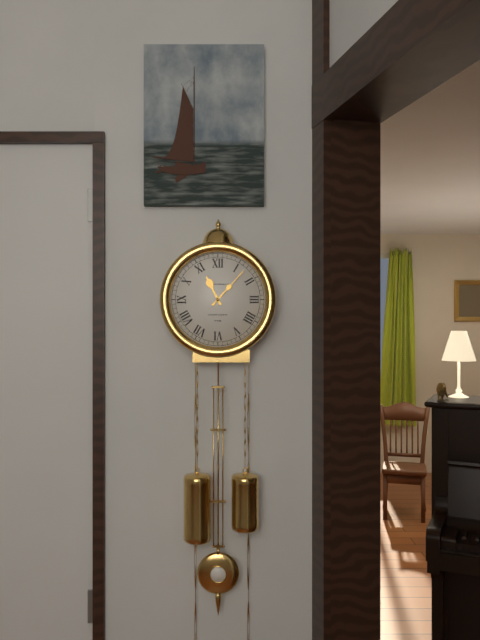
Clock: 11 h 07 min
